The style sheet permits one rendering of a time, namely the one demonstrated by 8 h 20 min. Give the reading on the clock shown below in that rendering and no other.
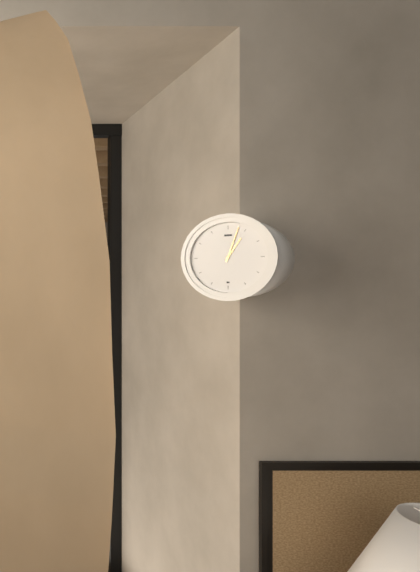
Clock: 1 h 03 min
